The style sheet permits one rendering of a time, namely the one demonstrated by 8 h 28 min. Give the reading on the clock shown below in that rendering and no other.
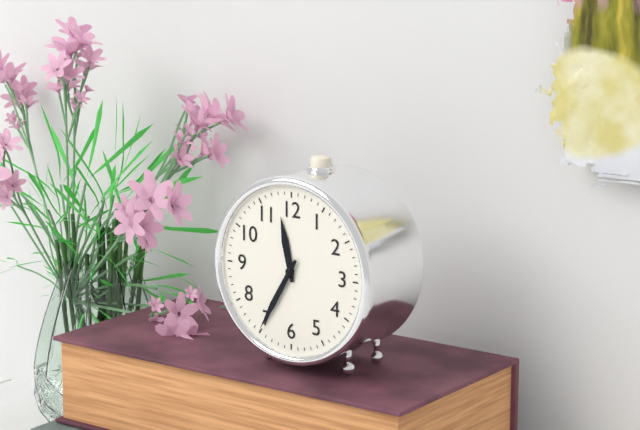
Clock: 11 h 35 min
